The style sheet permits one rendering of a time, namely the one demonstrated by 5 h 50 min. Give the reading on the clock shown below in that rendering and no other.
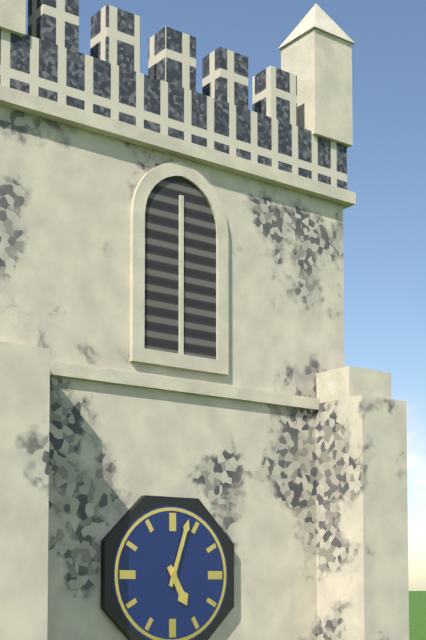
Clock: 5 h 03 min
